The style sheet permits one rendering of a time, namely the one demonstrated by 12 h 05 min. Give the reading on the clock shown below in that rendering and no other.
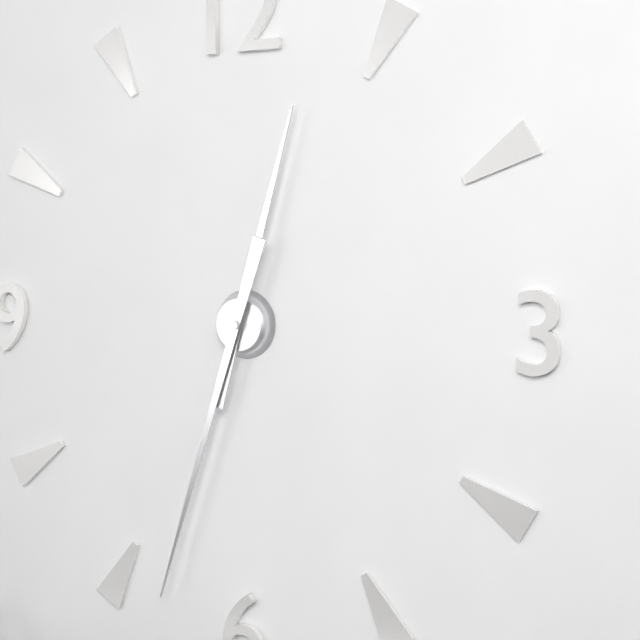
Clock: 12 h 33 min
